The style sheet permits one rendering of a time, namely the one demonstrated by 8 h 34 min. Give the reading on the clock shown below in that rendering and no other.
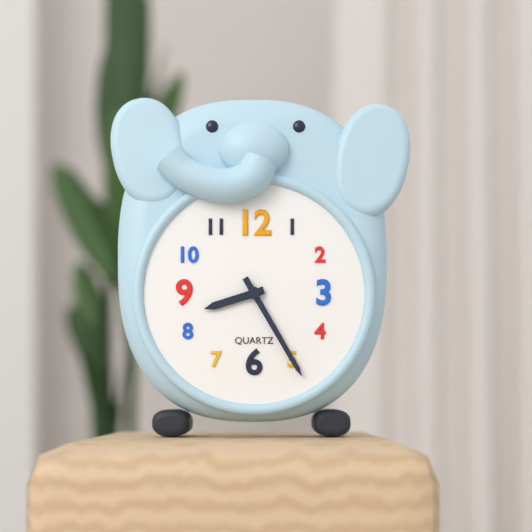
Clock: 8 h 25 min
